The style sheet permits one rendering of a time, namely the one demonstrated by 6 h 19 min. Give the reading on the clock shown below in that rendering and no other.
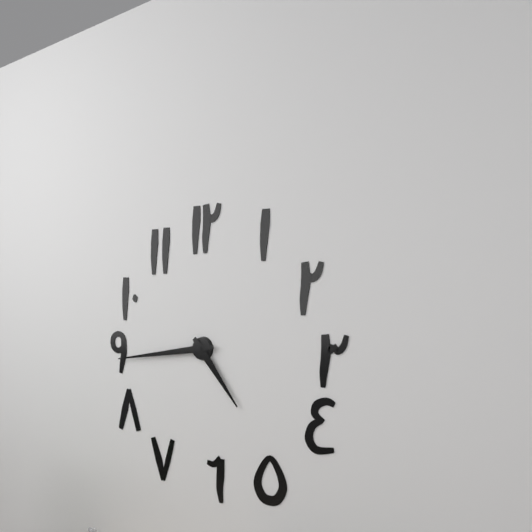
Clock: 4 h 44 min
